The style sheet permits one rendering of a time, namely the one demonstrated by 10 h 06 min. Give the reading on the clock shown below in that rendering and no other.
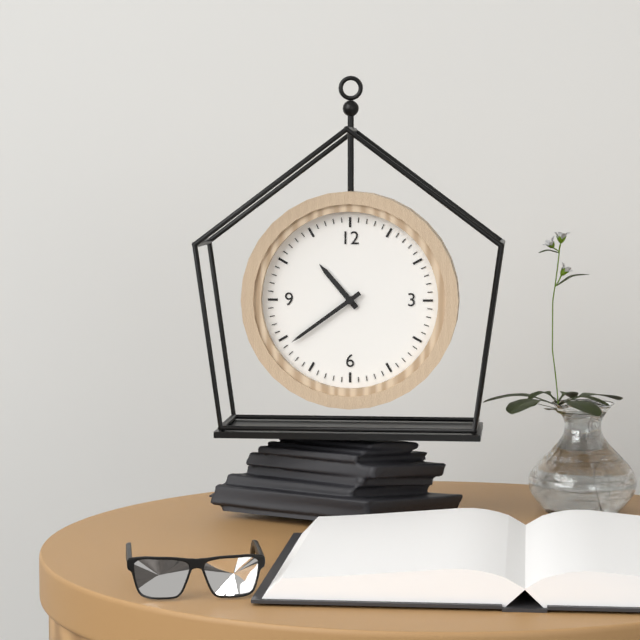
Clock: 10 h 39 min
